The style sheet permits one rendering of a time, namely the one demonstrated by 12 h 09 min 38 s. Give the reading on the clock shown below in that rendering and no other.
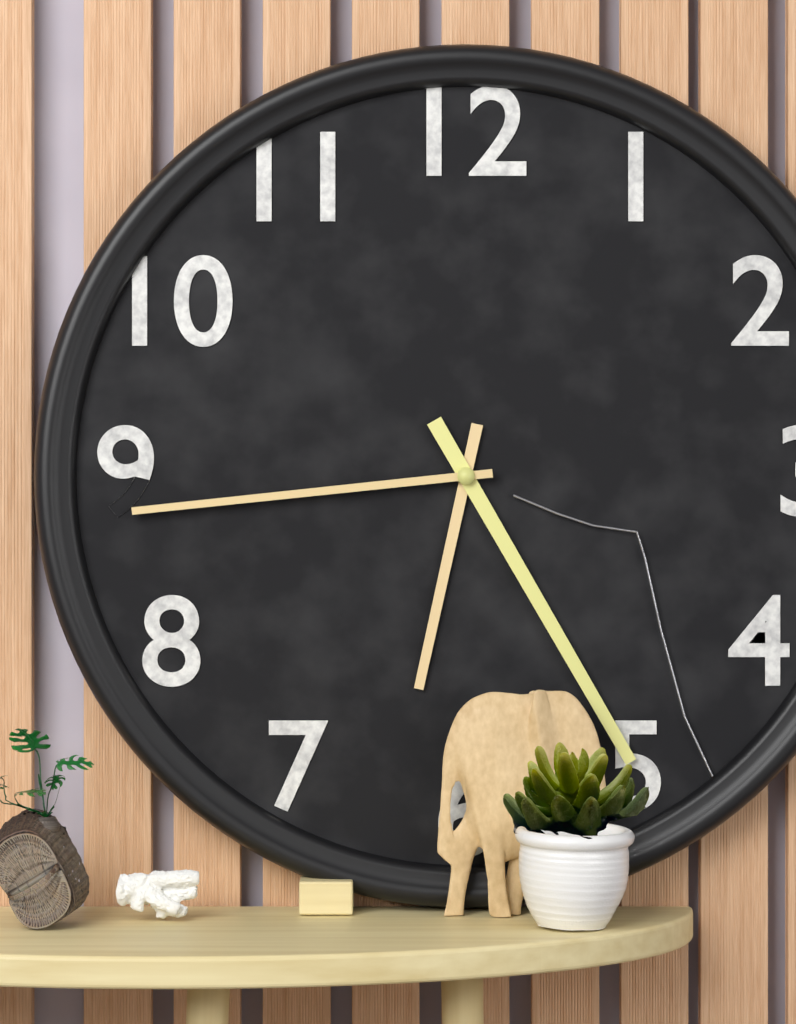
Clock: 6 h 25 min 44 s
